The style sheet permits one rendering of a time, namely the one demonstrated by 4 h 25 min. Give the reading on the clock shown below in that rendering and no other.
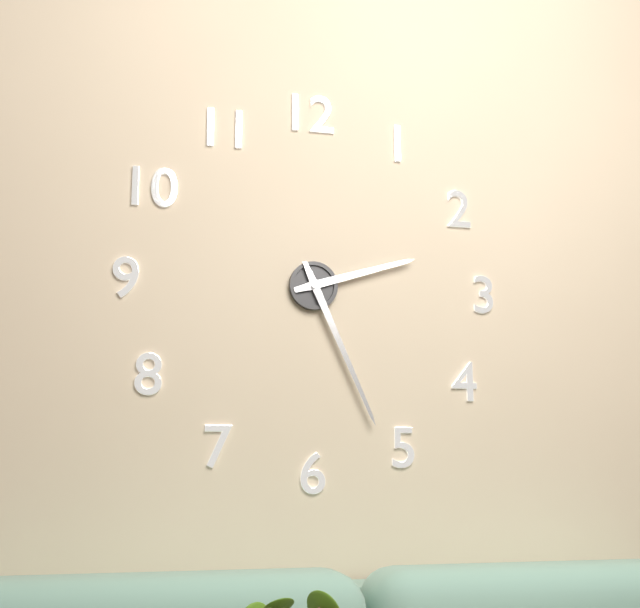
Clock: 2 h 26 min
